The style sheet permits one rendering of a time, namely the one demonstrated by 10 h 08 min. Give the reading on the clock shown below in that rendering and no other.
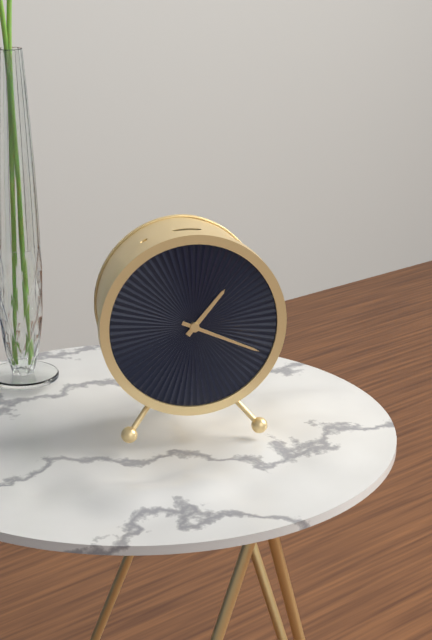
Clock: 1 h 19 min
